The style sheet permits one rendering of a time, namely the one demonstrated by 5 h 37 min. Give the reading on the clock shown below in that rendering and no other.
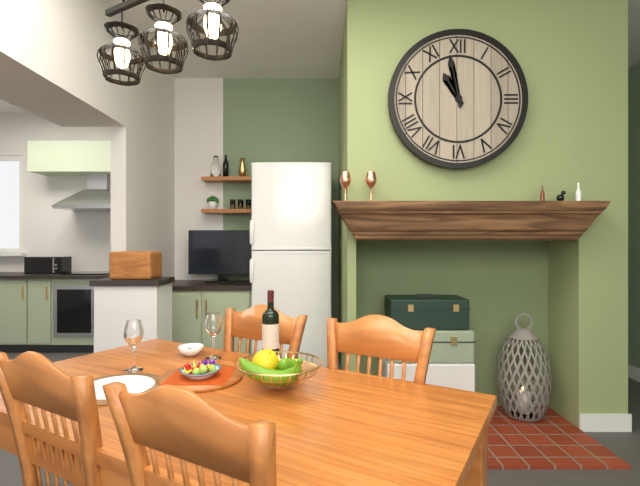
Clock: 10 h 58 min
